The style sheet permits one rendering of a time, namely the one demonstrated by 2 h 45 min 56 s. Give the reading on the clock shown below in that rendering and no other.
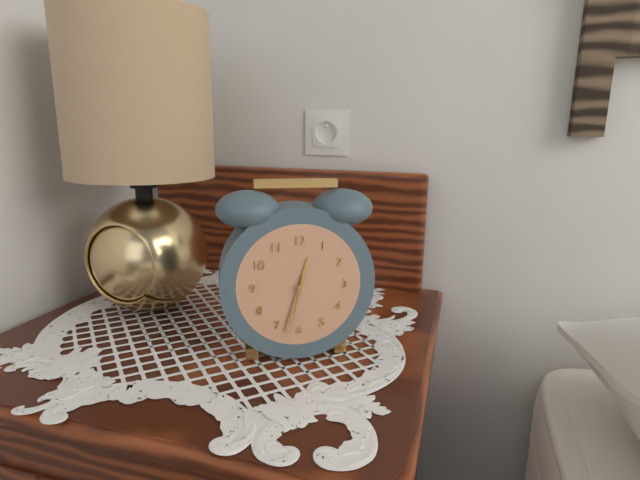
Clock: 12 h 33 min 32 s
